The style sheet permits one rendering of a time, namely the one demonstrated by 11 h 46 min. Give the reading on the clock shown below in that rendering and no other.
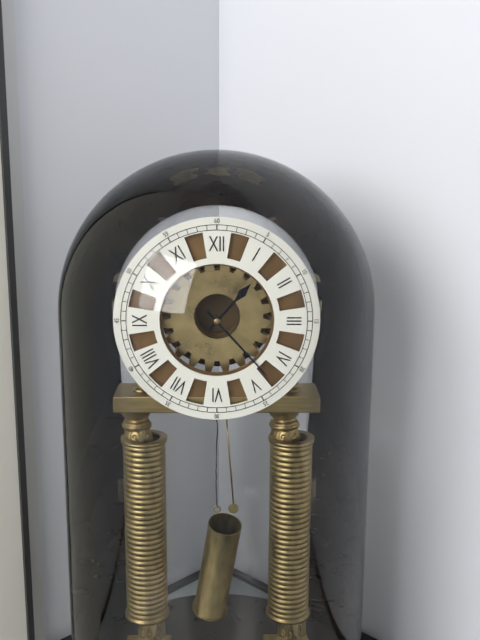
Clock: 1 h 23 min
